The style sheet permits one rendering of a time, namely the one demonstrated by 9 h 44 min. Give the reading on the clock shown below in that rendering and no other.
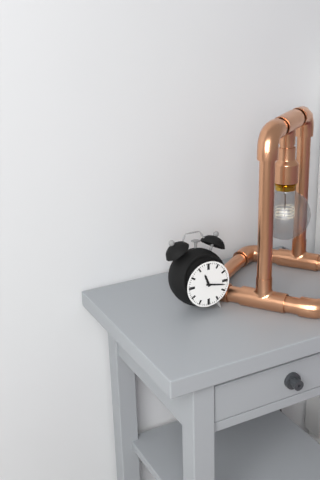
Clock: 11 h 17 min
